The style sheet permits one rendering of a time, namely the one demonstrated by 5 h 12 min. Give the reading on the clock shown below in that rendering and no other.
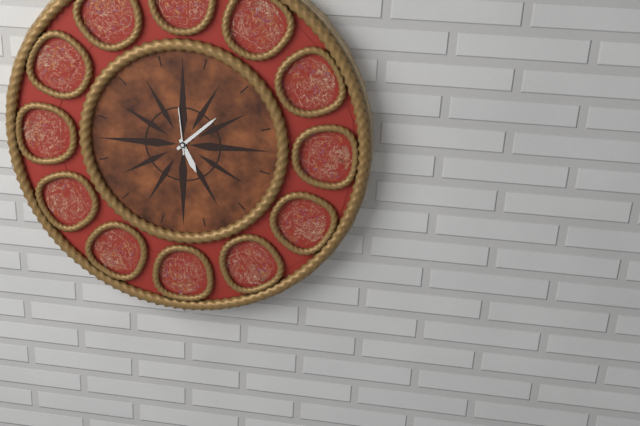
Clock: 5 h 08 min
